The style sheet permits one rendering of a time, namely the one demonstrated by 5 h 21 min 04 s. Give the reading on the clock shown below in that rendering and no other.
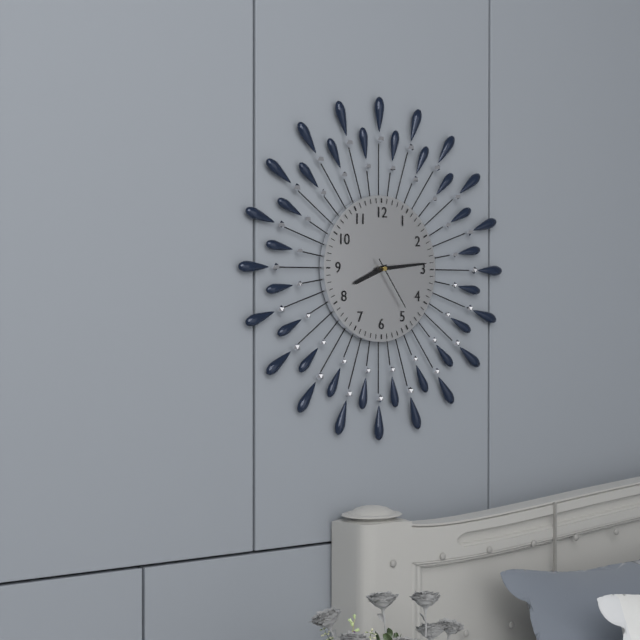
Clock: 8 h 14 min 24 s
